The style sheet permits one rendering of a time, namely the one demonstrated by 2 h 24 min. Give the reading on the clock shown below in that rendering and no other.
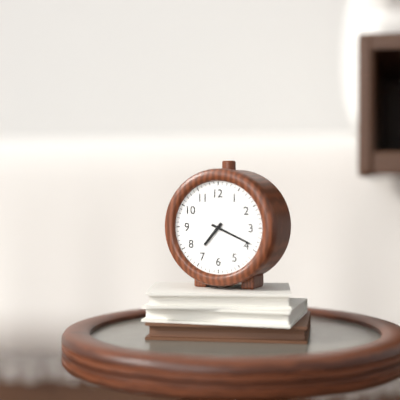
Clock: 7 h 19 min
